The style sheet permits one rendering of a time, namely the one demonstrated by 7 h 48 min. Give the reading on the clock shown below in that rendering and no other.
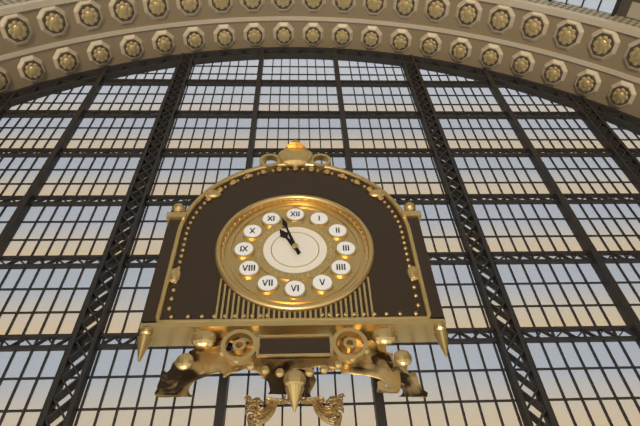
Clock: 10 h 57 min
